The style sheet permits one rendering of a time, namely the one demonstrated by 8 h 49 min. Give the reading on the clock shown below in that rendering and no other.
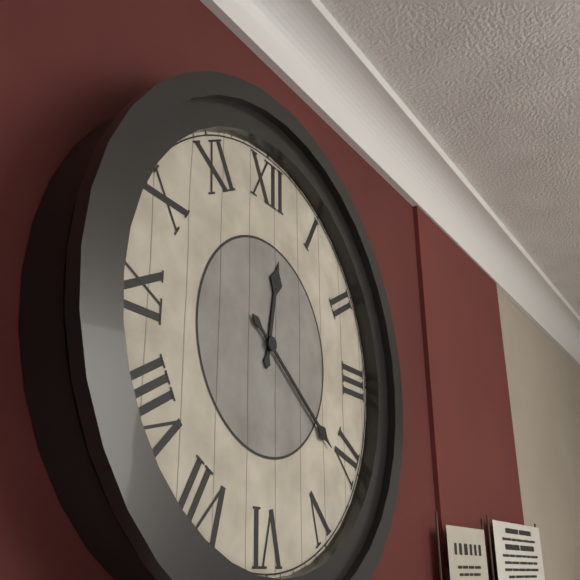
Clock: 12 h 21 min
